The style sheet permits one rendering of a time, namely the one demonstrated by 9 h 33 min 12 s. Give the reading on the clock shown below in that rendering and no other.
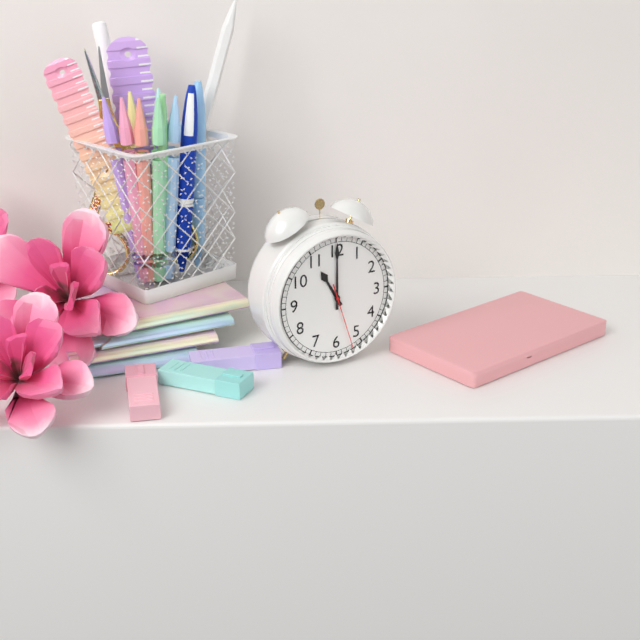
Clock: 11 h 00 min 27 s
